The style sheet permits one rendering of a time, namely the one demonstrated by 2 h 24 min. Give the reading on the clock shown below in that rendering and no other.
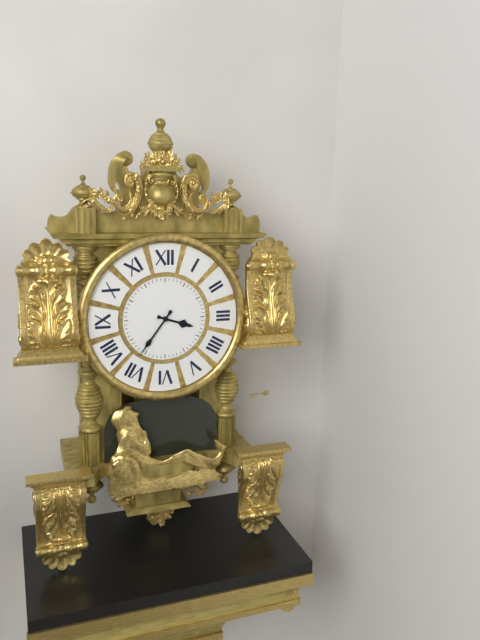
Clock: 3 h 36 min
